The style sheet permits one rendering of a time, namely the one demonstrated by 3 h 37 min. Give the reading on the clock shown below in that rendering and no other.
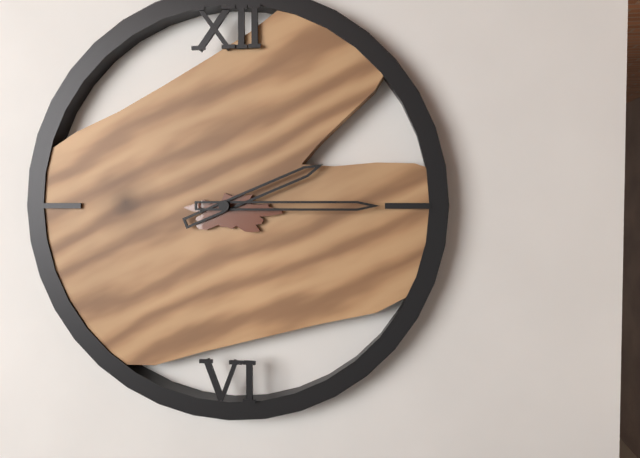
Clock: 2 h 15 min
